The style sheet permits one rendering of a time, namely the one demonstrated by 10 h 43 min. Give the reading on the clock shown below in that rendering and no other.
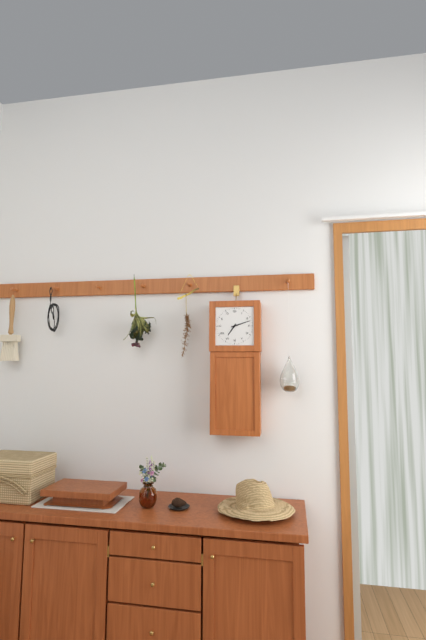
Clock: 7 h 12 min
